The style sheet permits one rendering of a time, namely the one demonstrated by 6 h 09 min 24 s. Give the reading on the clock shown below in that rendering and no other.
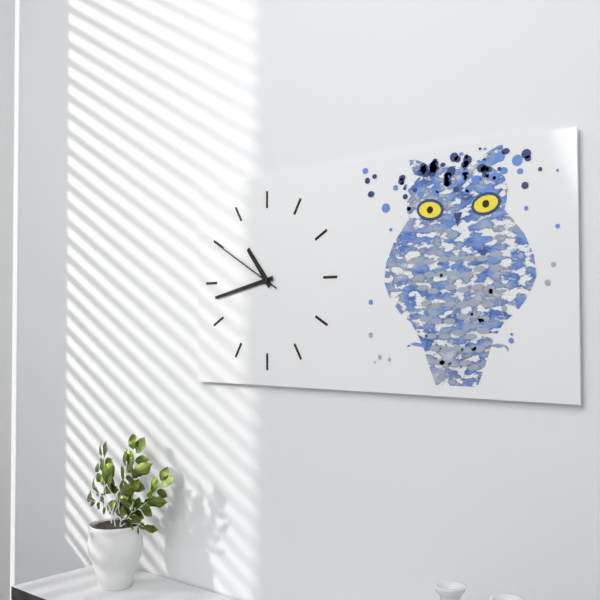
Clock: 10 h 43 min 50 s
